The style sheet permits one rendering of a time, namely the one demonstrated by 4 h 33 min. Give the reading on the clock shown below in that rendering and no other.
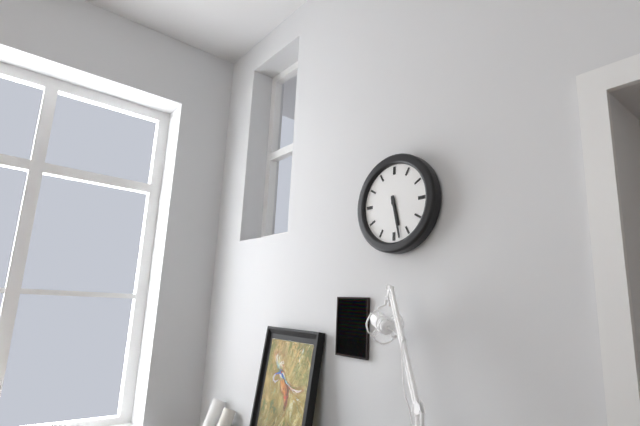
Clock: 5 h 28 min
